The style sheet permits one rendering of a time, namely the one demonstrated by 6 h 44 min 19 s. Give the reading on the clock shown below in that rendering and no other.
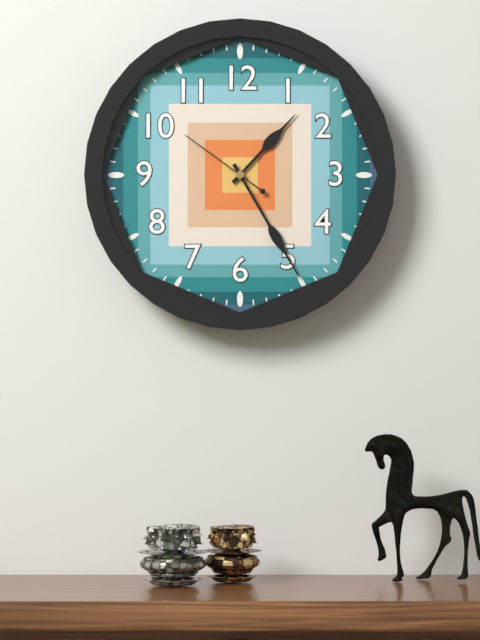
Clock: 1 h 25 min 51 s
